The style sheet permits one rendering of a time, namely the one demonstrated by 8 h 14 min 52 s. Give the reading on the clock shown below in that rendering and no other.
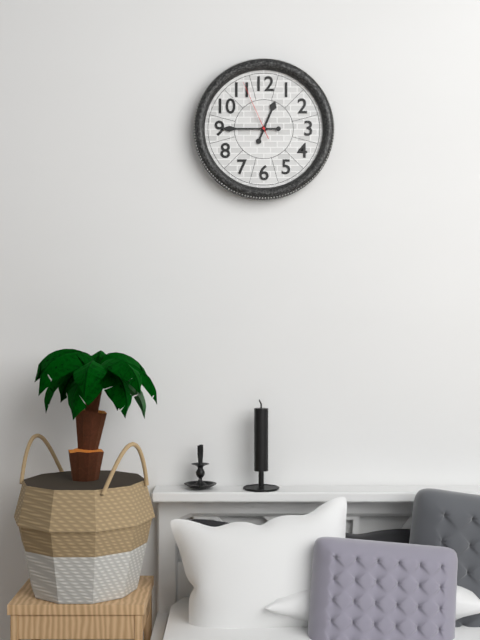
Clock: 12 h 45 min 56 s
